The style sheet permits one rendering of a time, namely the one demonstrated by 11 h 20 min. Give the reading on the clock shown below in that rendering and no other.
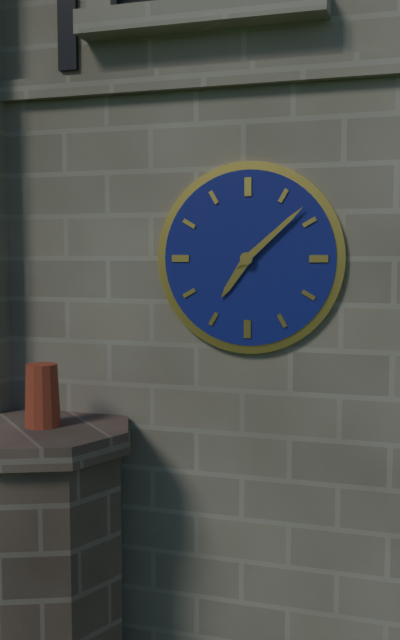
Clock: 7 h 08 min
